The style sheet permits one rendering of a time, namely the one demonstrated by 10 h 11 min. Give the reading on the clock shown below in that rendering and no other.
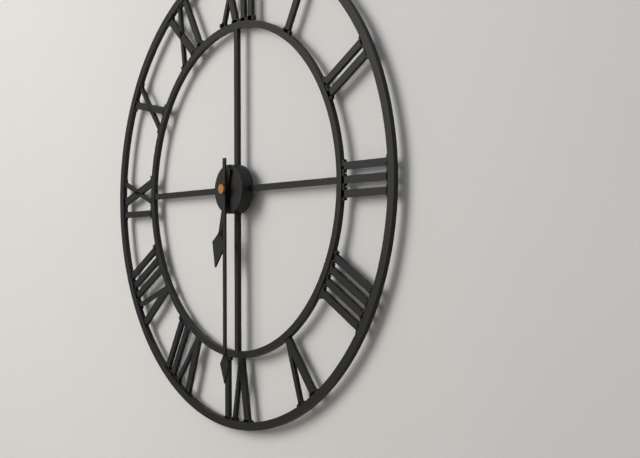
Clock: 6 h 30 min
